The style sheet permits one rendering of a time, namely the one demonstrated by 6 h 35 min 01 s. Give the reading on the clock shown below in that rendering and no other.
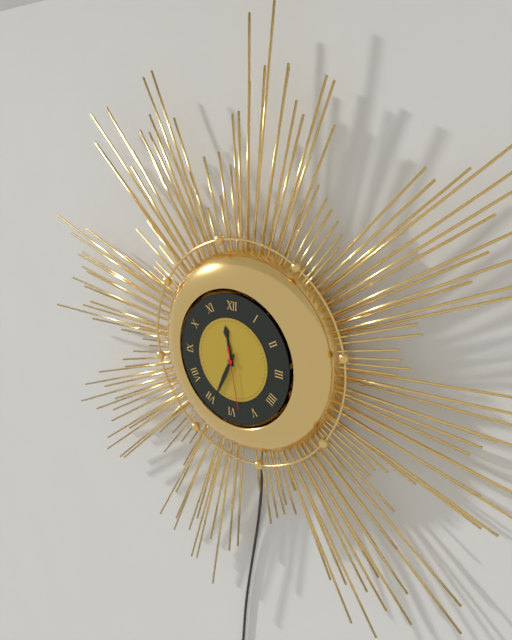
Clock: 11 h 34 min 28 s
